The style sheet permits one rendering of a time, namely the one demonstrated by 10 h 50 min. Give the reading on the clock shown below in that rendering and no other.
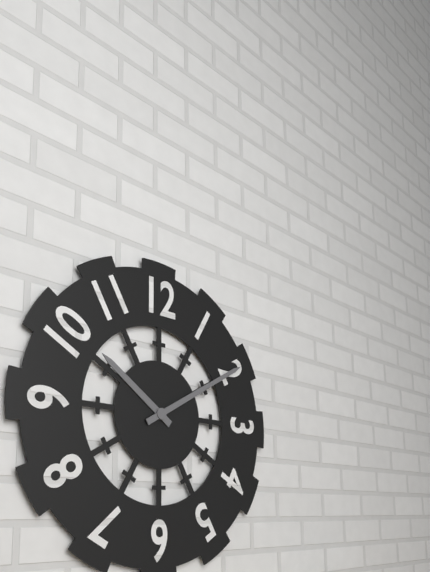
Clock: 10 h 10 min
